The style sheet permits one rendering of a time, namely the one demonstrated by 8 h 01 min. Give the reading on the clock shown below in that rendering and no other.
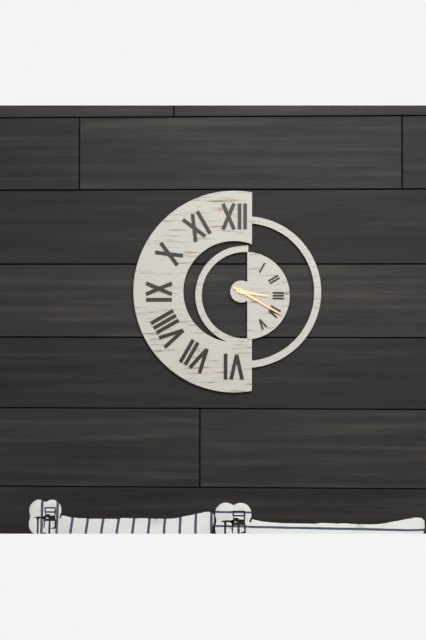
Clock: 3 h 20 min
